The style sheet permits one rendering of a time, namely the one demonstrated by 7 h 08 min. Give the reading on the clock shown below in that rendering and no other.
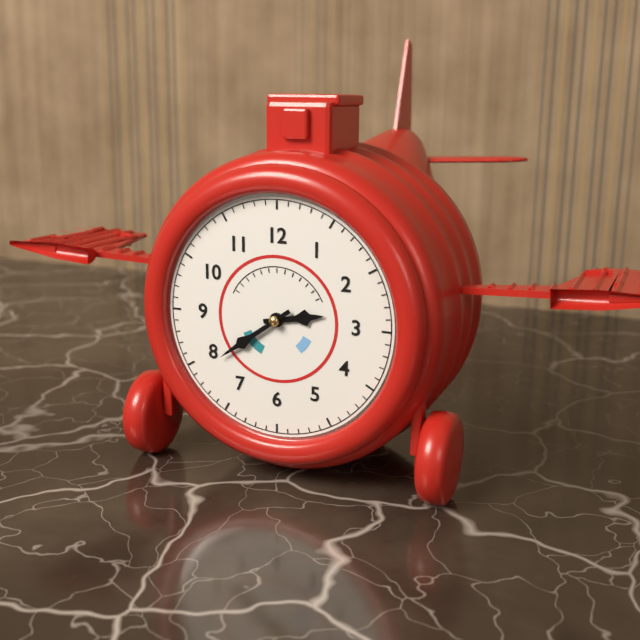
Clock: 2 h 39 min
